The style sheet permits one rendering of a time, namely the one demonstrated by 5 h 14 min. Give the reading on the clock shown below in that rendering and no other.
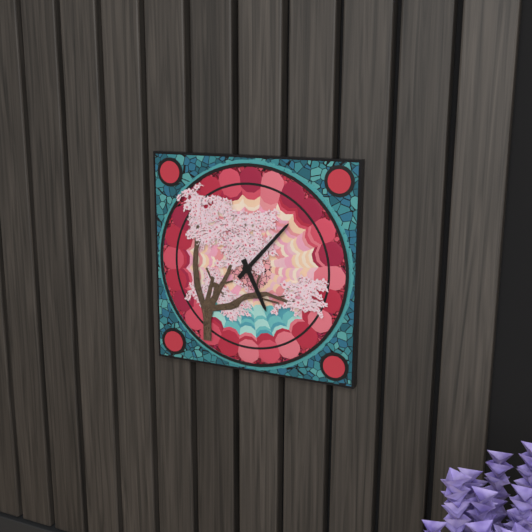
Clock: 5 h 07 min
